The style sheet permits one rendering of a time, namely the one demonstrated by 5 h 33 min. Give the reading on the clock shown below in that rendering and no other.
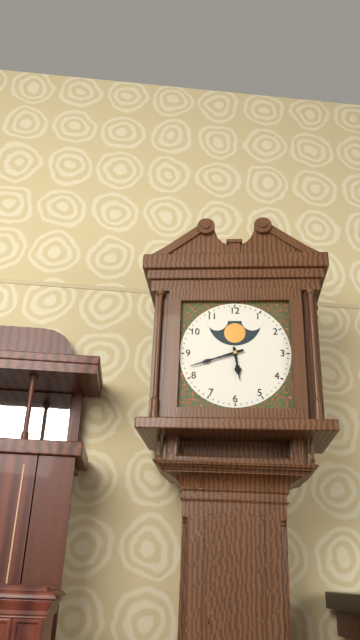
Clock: 5 h 42 min
